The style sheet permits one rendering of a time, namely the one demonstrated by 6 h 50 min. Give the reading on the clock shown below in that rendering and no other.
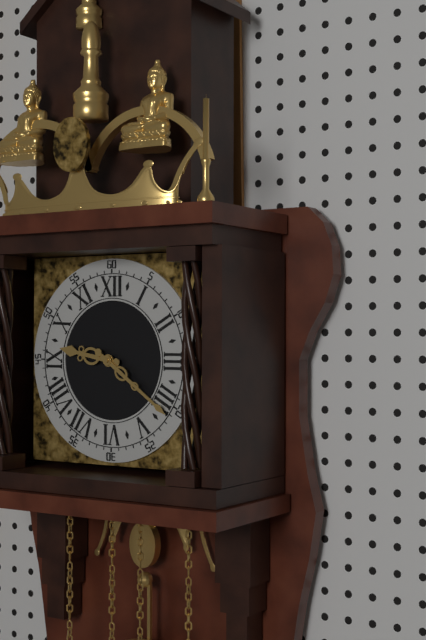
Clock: 9 h 21 min
